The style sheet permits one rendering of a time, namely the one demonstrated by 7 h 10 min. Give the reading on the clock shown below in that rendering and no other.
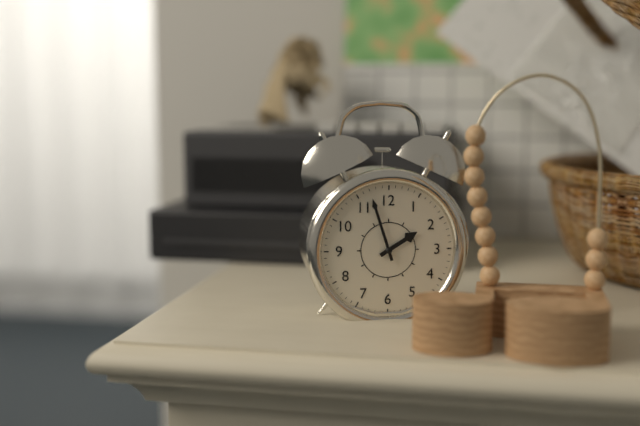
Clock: 1 h 57 min
